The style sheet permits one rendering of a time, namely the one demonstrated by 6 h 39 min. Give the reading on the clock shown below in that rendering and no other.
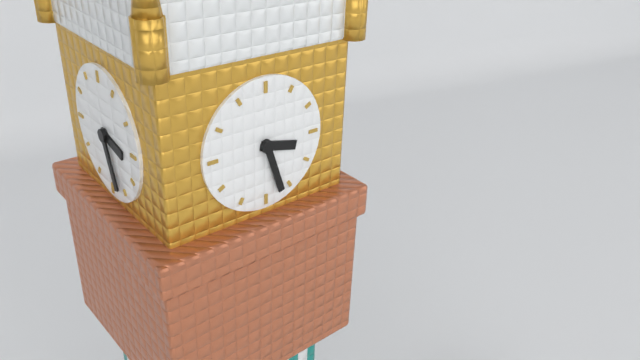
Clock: 3 h 27 min
